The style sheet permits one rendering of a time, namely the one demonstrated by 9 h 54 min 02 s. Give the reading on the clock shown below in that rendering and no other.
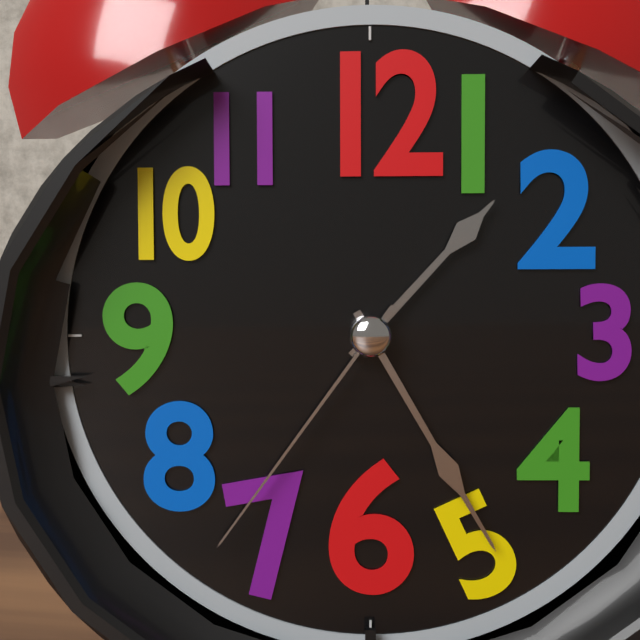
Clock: 1 h 25 min 36 s
